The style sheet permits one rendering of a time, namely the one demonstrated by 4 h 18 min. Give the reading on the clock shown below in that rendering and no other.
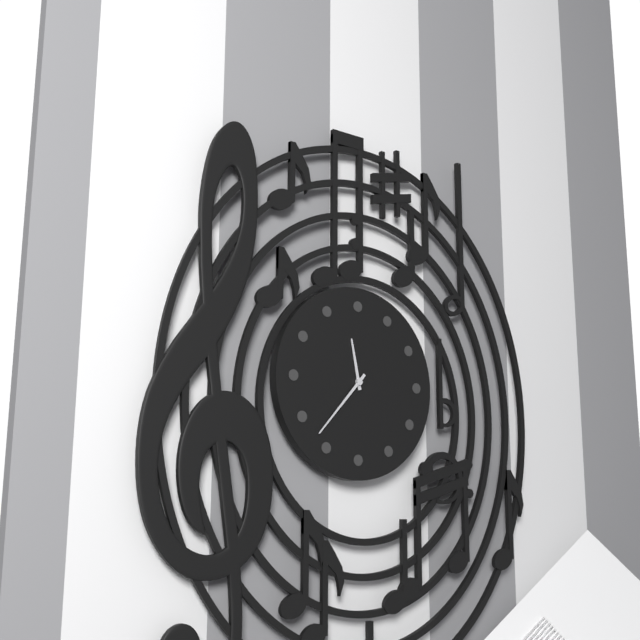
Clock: 11 h 37 min
